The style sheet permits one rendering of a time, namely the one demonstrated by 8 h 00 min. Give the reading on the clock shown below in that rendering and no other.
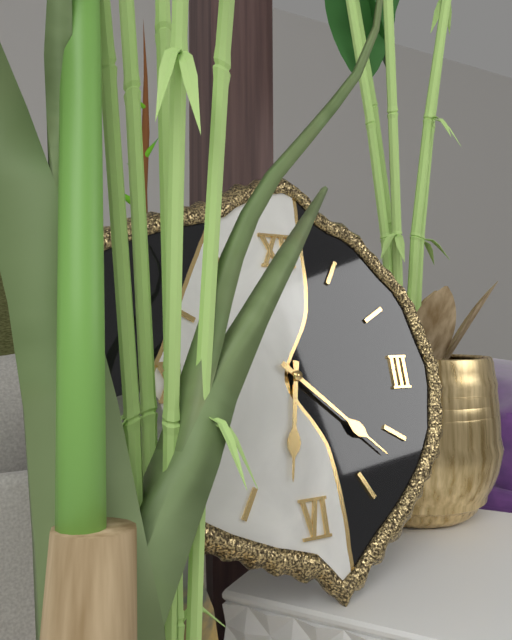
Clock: 6 h 22 min
